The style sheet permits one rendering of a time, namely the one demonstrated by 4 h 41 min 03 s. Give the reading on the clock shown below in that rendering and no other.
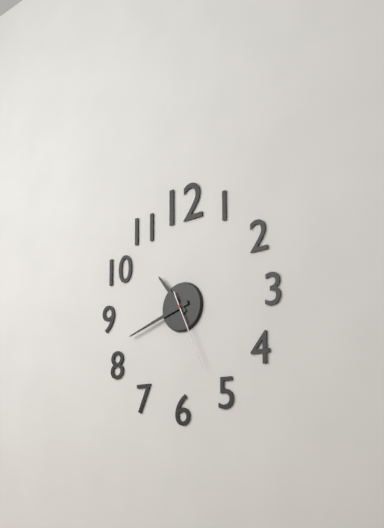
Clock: 10 h 42 min 26 s
